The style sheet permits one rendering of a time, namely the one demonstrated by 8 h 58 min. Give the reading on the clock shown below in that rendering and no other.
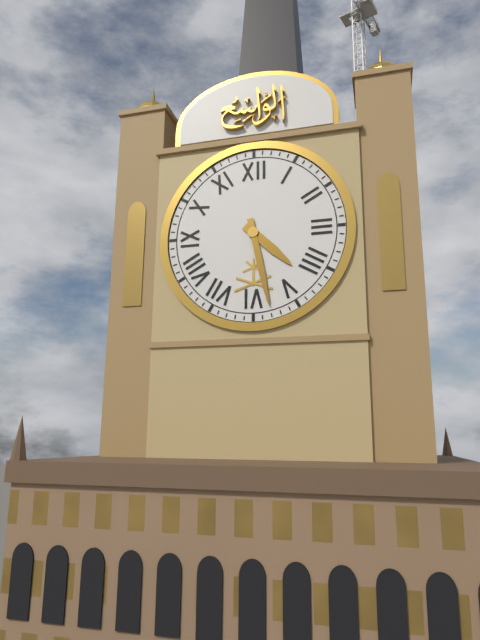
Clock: 4 h 28 min
